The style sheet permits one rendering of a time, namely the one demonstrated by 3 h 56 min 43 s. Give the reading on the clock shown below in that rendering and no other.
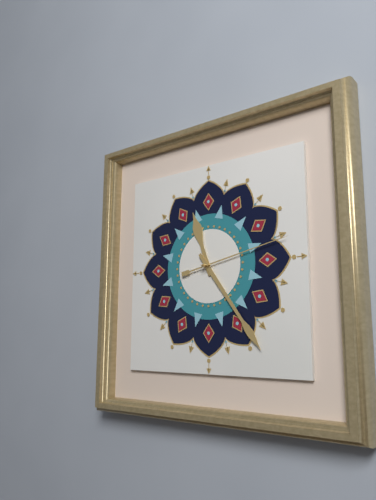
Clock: 11 h 24 min 13 s
